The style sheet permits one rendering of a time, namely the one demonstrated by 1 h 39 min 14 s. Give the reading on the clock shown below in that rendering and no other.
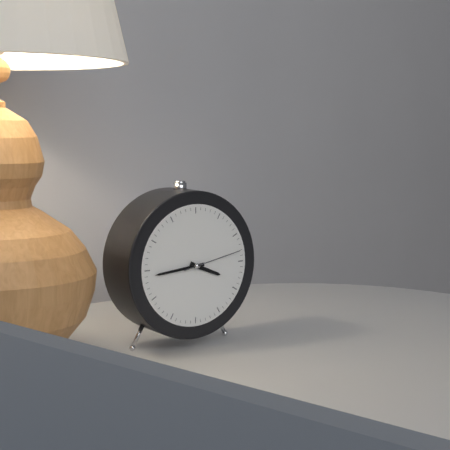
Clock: 3 h 44 min 13 s
